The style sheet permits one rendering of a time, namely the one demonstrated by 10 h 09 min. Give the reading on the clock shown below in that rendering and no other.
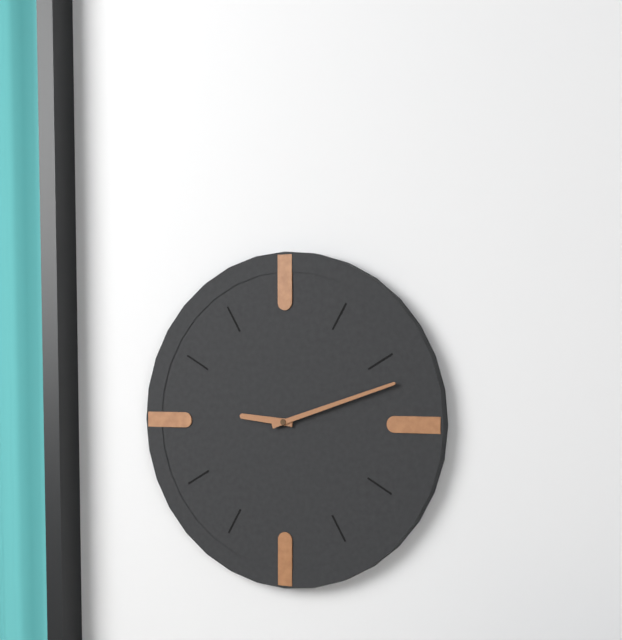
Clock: 9 h 12 min
